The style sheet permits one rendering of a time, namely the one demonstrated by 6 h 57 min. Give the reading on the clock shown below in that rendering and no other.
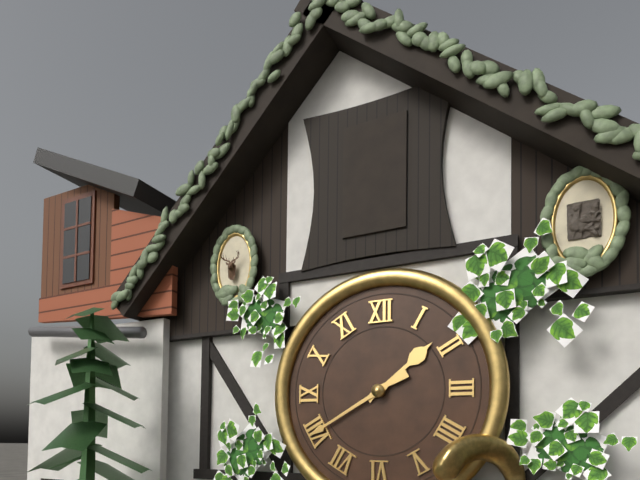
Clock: 1 h 40 min
